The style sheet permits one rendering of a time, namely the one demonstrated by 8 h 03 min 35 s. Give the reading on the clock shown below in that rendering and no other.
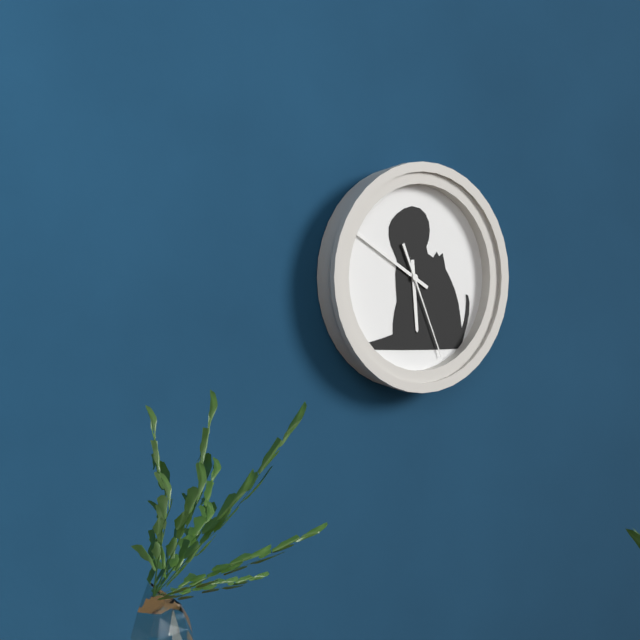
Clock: 5 h 50 min 26 s
